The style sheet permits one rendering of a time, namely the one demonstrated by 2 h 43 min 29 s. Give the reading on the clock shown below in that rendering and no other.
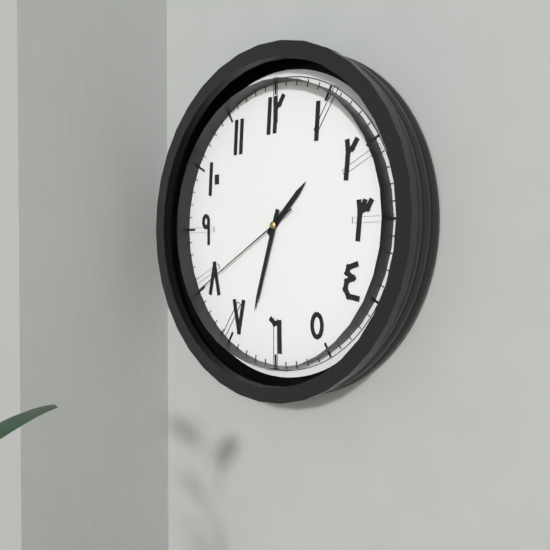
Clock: 1 h 33 min 40 s
